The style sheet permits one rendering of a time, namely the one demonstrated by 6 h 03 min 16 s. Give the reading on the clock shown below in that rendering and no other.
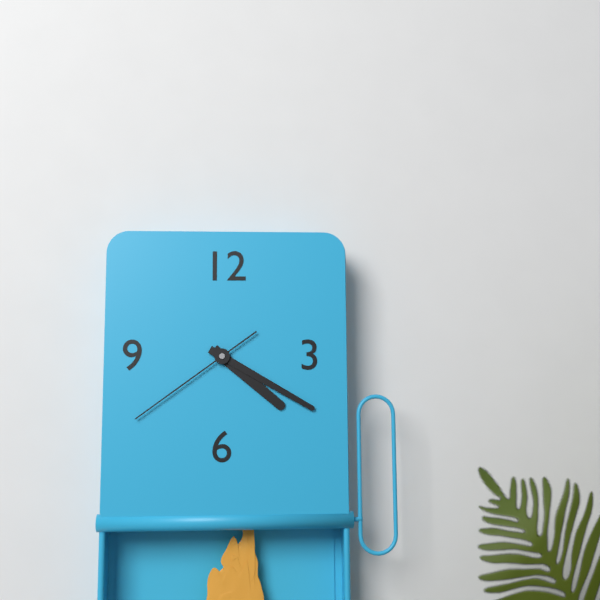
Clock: 4 h 20 min 39 s
